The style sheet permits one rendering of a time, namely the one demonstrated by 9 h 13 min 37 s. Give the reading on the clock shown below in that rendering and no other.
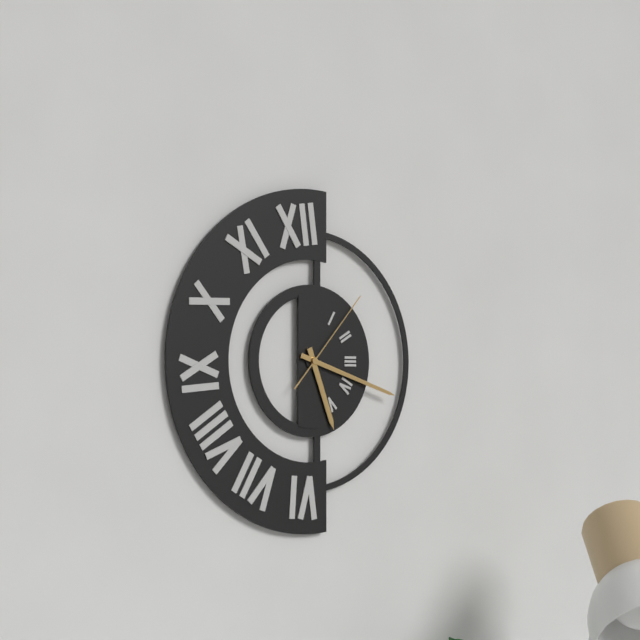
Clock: 5 h 18 min 07 s
